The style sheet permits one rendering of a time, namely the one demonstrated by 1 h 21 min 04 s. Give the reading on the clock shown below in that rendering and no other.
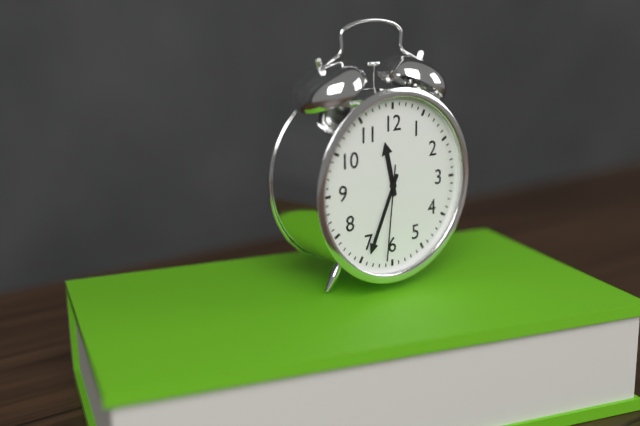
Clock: 11 h 34 min 31 s
